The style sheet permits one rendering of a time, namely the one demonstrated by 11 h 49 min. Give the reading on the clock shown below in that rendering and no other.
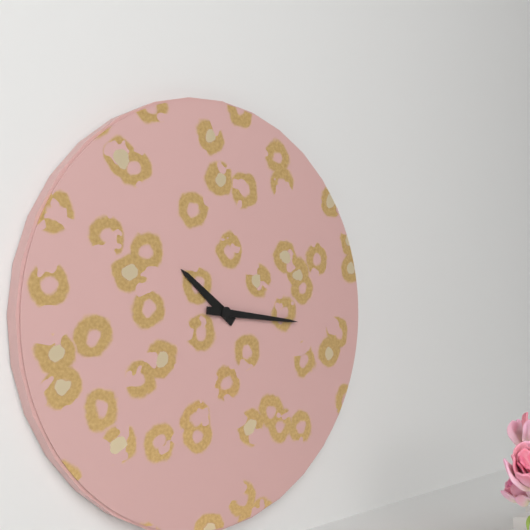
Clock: 10 h 16 min
